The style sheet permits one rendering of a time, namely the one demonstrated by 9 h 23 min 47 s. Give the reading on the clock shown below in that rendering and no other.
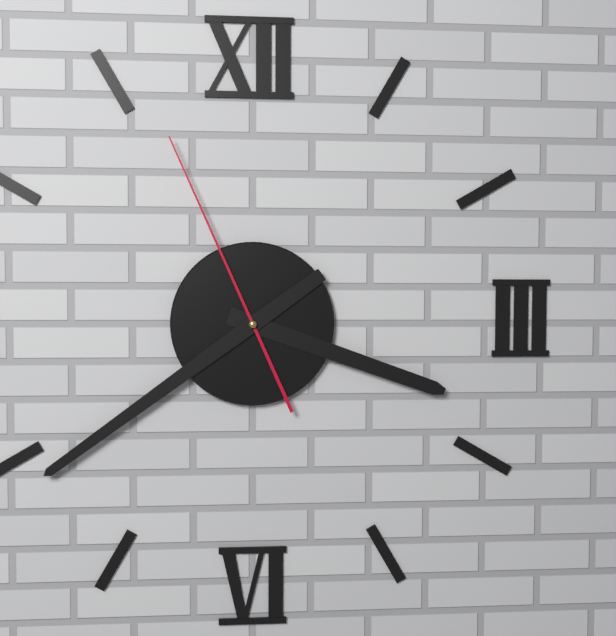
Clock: 3 h 39 min 56 s
